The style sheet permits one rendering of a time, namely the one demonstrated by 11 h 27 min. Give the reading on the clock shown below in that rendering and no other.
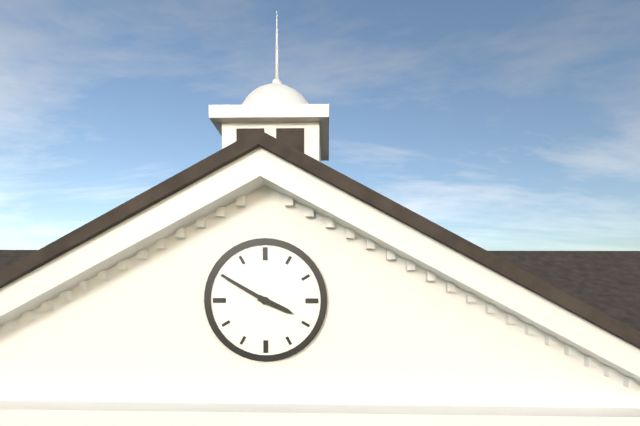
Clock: 3 h 50 min
